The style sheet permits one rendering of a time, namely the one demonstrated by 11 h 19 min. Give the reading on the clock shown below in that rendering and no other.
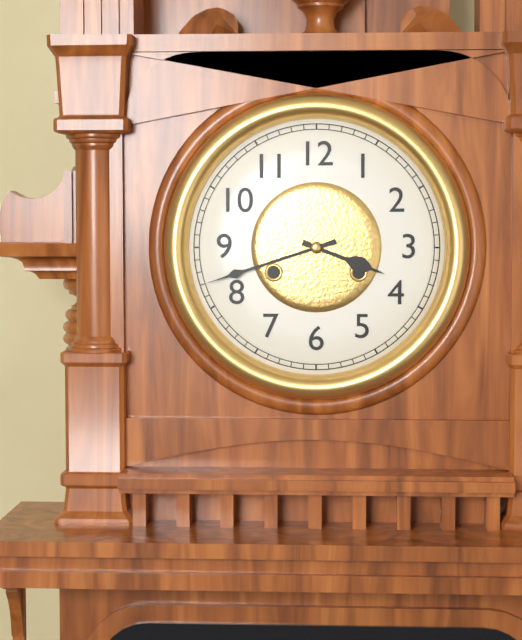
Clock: 3 h 42 min
